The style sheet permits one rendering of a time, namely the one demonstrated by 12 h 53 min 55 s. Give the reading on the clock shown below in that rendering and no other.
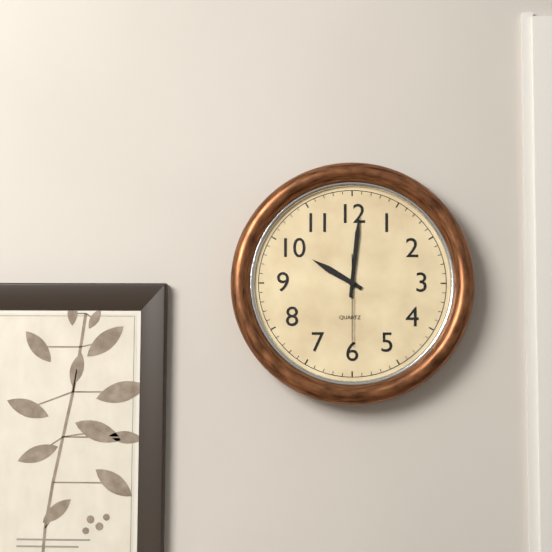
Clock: 10 h 01 min 30 s
